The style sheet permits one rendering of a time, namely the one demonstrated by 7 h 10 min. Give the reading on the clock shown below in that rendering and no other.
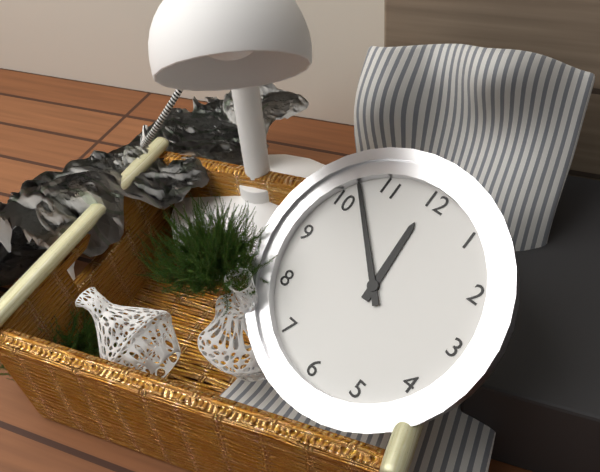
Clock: 11 h 52 min
